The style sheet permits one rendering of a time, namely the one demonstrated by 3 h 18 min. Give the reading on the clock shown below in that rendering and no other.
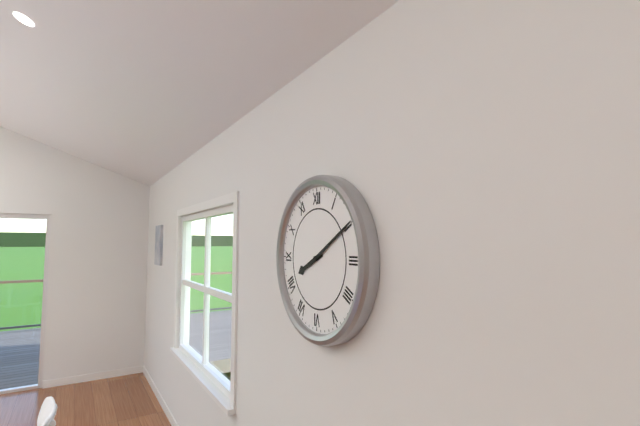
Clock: 8 h 10 min
